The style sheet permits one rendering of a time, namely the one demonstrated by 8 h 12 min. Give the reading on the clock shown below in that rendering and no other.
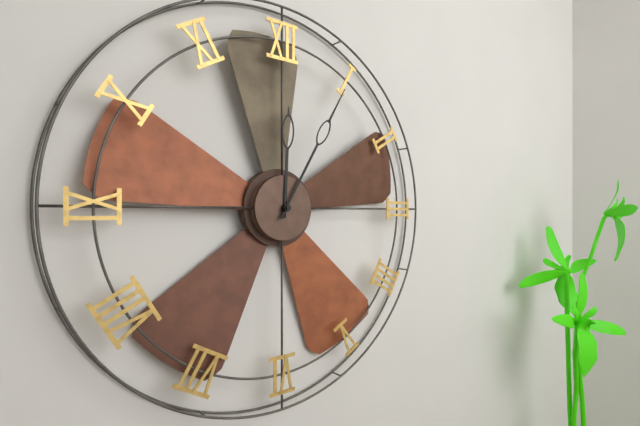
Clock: 12 h 05 min
